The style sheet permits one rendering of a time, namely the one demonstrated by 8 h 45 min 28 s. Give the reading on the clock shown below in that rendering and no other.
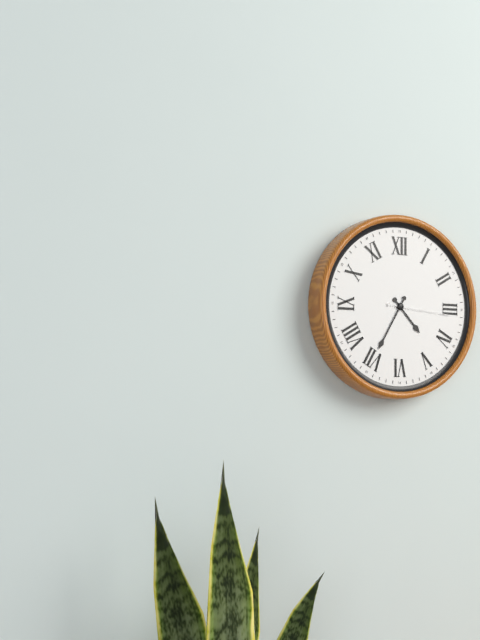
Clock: 4 h 35 min 16 s
